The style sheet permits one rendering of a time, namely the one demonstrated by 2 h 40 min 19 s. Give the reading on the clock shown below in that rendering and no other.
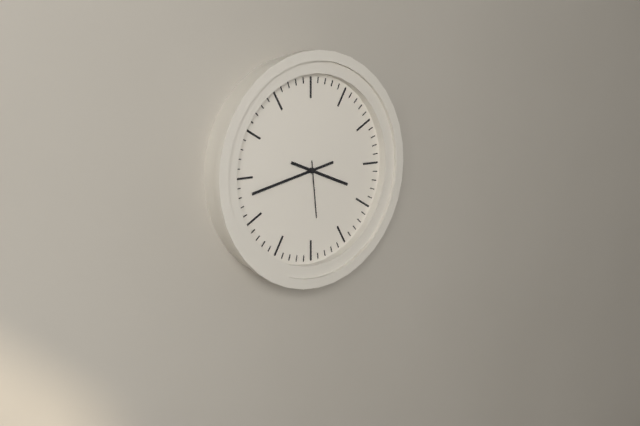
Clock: 3 h 43 min 29 s
